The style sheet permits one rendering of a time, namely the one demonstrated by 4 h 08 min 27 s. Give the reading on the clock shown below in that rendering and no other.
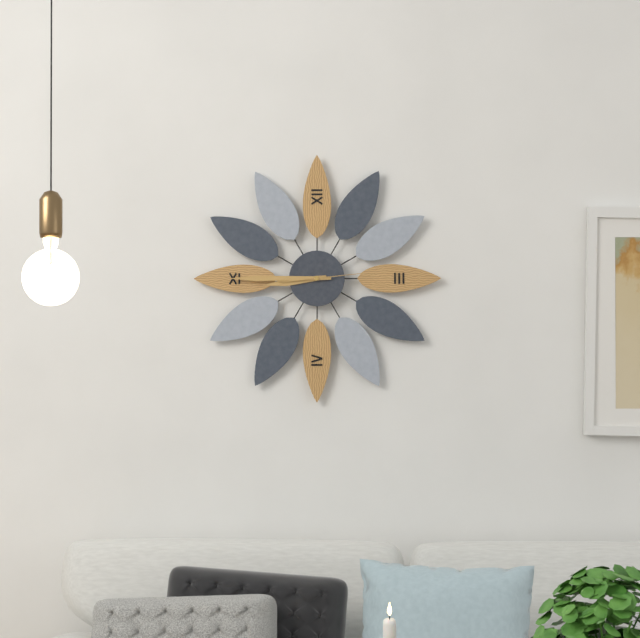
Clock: 8 h 45 min 14 s
